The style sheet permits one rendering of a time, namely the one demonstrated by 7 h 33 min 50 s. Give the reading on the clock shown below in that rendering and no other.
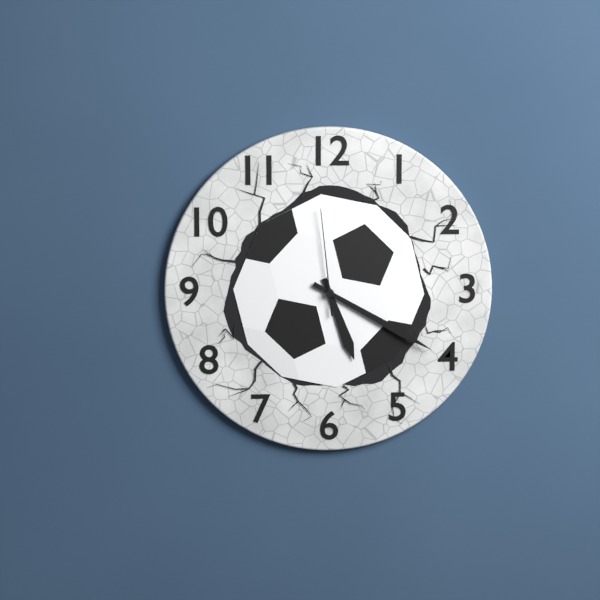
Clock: 5 h 20 min 59 s
